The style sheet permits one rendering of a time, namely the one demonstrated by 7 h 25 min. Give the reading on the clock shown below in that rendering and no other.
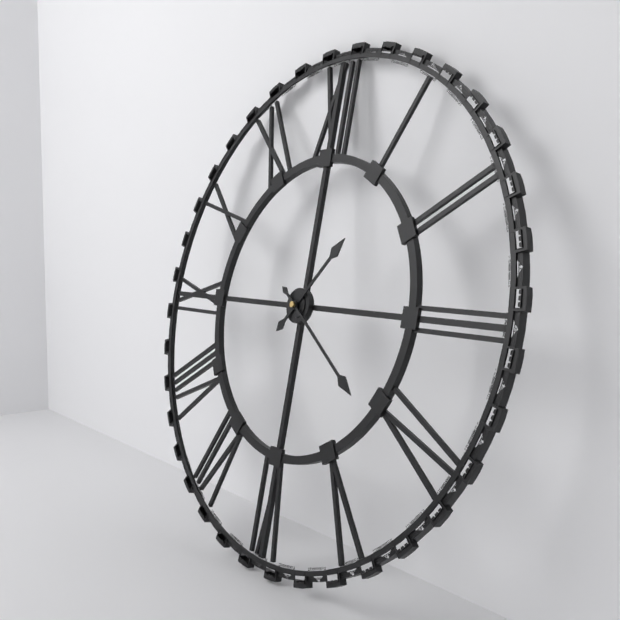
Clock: 1 h 21 min
